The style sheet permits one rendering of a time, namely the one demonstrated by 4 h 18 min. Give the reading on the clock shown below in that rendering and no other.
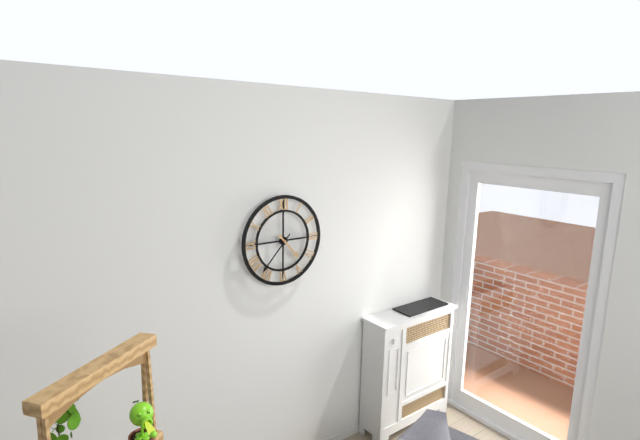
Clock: 4 h 37 min
